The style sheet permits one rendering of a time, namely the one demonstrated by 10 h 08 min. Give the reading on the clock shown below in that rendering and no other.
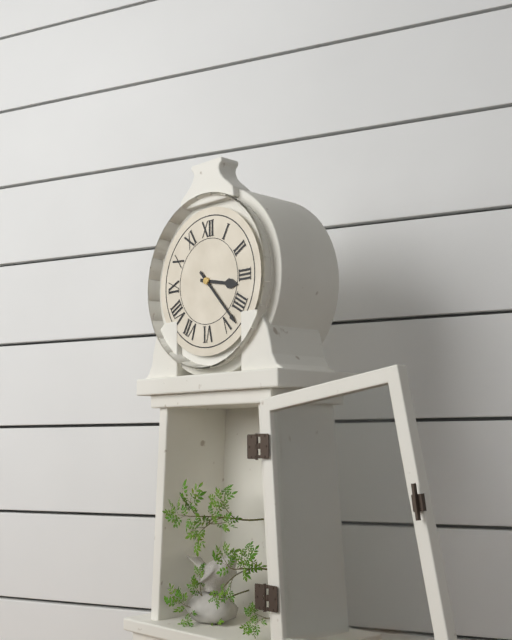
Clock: 3 h 23 min
